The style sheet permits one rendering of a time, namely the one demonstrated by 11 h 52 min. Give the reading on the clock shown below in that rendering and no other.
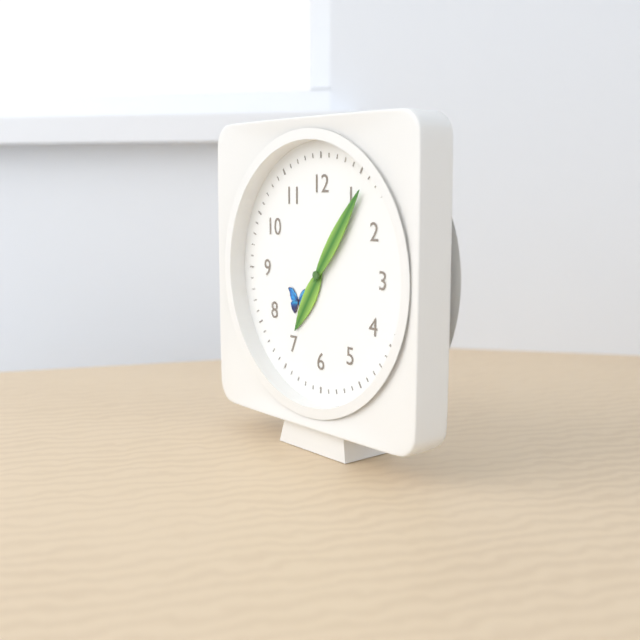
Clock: 7 h 06 min
